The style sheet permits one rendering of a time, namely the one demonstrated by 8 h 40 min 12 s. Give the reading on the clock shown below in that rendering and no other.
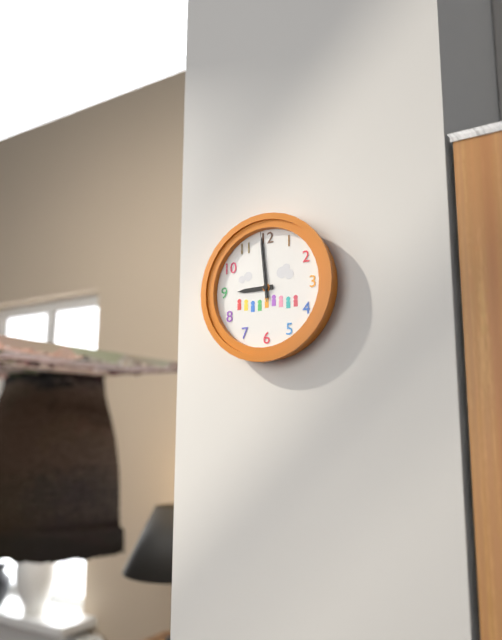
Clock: 8 h 59 min 59 s
